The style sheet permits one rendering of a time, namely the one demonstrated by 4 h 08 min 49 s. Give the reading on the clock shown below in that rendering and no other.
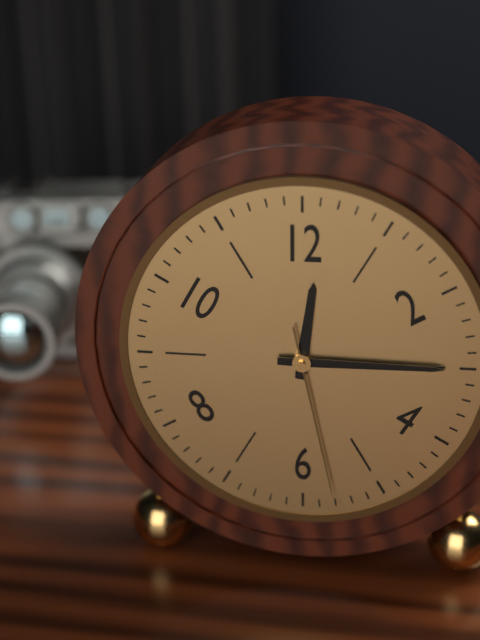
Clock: 12 h 15 min 28 s
